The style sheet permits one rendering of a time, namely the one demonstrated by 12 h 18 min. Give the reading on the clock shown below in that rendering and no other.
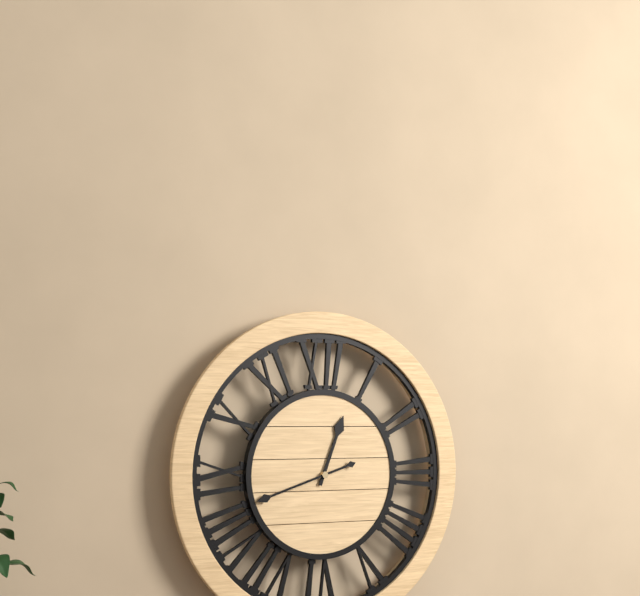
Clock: 12 h 42 min
